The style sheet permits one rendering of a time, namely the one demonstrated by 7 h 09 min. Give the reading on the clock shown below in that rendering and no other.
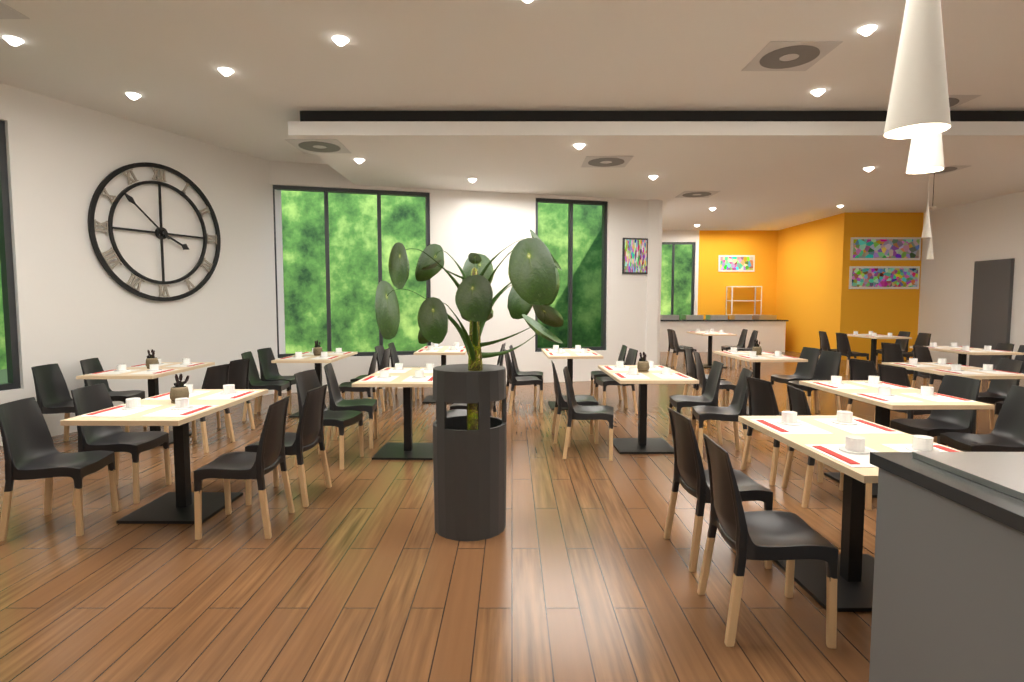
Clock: 3 h 52 min
